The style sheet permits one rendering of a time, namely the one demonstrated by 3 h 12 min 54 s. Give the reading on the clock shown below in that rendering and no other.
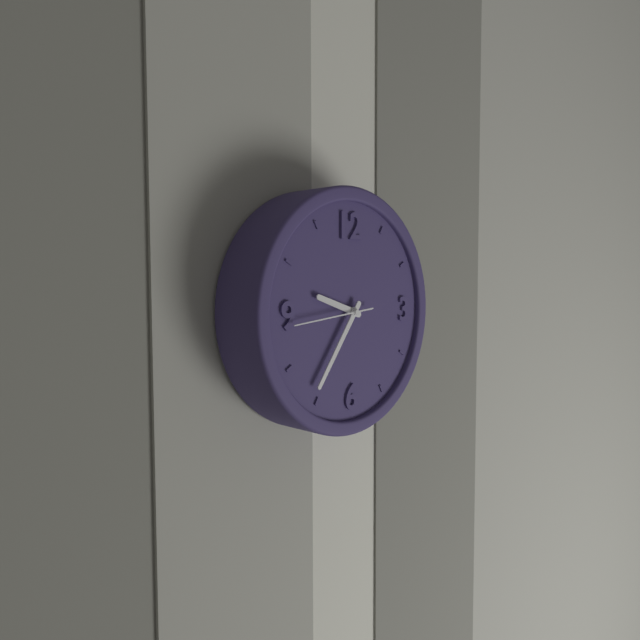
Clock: 9 h 36 min 44 s
